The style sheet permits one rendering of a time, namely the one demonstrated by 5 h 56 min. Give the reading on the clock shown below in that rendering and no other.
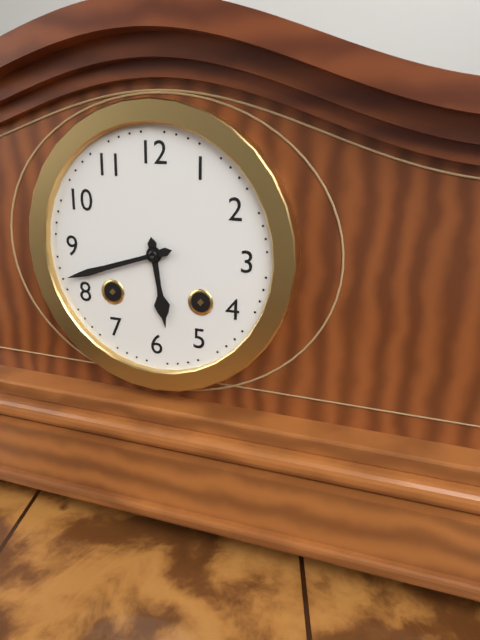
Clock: 5 h 42 min
